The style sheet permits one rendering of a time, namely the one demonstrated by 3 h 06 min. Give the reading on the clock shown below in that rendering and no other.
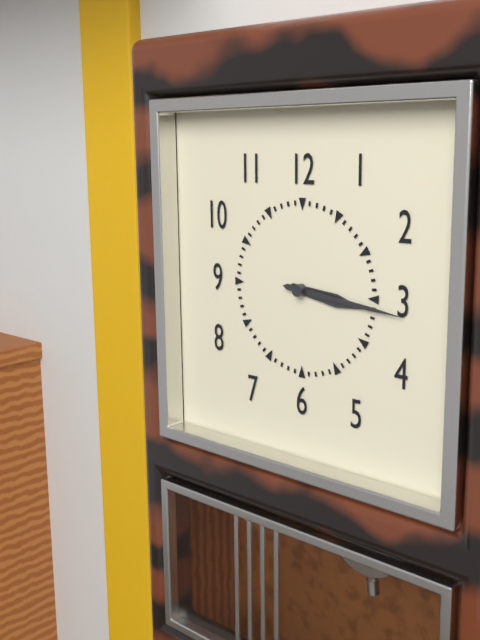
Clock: 3 h 16 min
